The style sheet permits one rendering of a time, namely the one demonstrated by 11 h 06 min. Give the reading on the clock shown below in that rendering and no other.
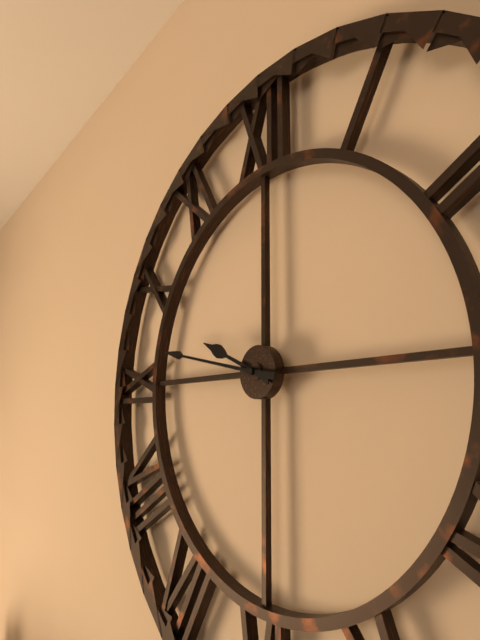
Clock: 9 h 47 min
